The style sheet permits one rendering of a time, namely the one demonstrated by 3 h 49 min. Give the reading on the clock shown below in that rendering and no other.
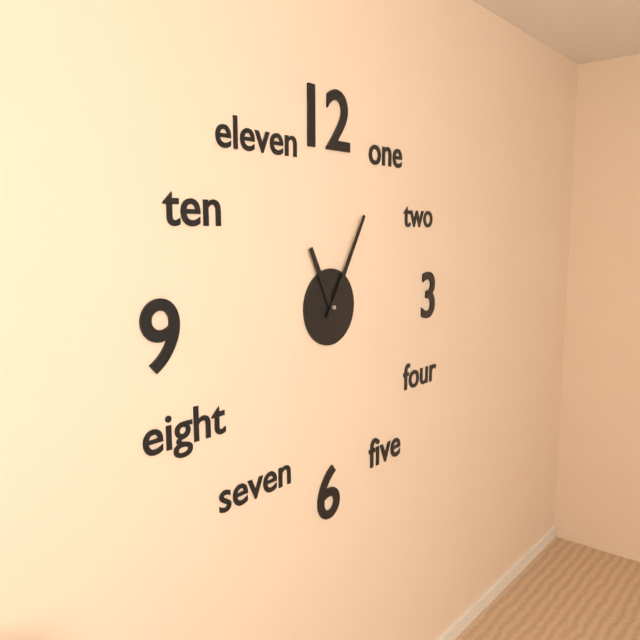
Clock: 11 h 05 min
